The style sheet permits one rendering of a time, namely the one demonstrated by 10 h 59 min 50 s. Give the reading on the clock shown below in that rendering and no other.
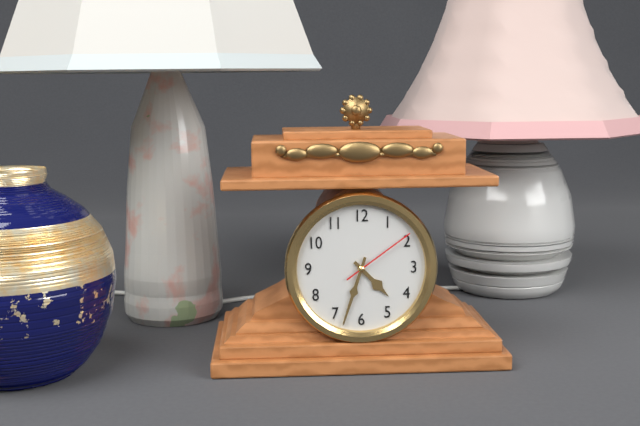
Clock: 4 h 33 min 09 s
